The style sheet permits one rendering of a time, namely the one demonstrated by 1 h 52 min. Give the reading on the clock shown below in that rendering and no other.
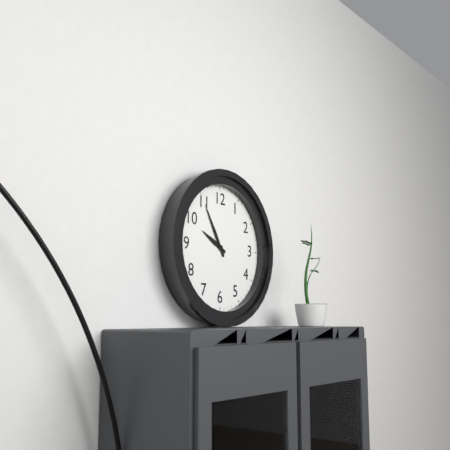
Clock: 9 h 55 min
